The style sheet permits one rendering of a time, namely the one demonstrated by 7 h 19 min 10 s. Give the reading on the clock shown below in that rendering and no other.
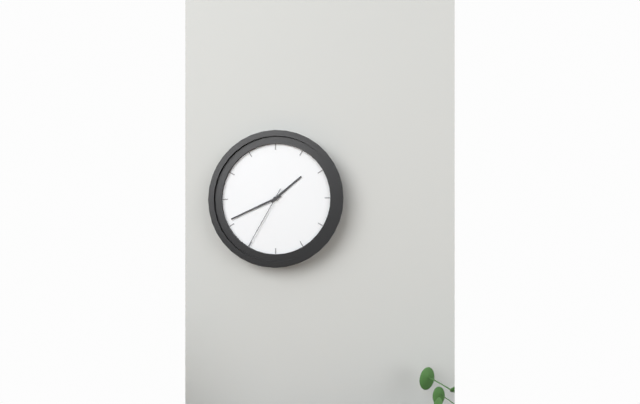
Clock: 1 h 41 min 35 s
